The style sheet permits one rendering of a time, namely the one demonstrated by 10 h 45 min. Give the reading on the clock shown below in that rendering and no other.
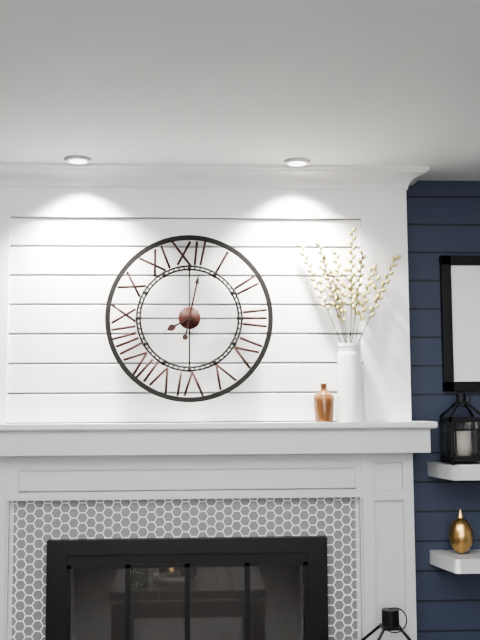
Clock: 8 h 02 min
